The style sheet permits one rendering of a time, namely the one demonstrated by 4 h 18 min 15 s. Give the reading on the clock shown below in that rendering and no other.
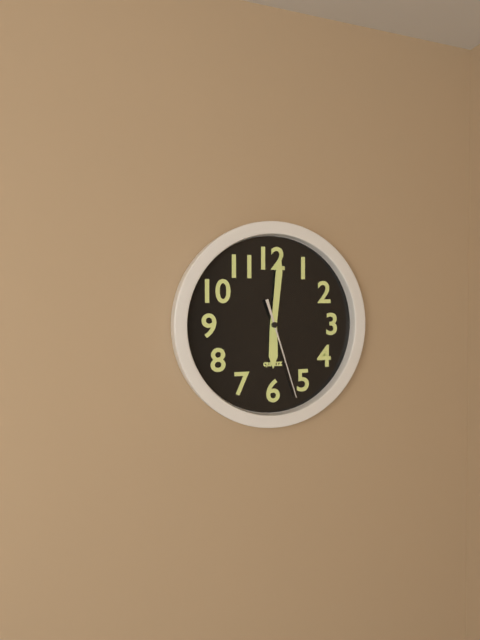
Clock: 6 h 01 min 27 s
